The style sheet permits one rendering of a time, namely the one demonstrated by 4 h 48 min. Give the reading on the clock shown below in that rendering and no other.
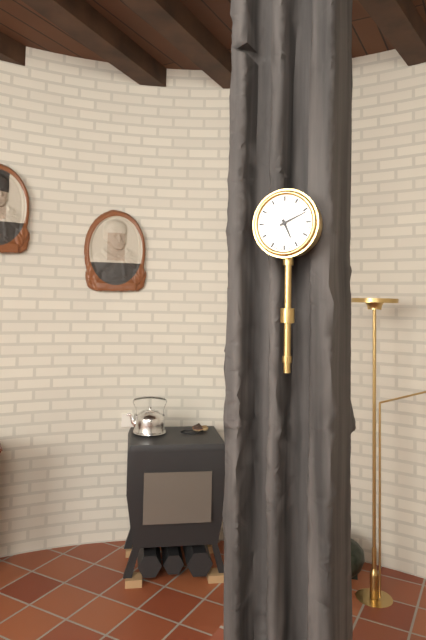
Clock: 5 h 11 min
